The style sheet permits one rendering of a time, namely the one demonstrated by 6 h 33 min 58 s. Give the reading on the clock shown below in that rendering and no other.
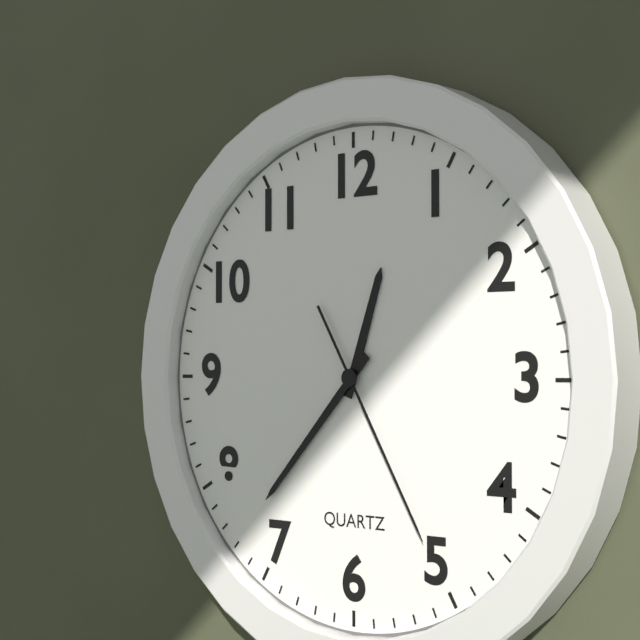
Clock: 12 h 37 min 25 s
